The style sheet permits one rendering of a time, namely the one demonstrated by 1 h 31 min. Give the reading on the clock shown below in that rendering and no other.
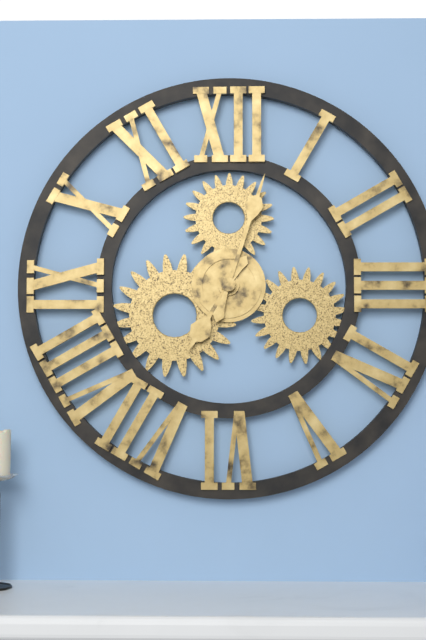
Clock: 7 h 03 min
